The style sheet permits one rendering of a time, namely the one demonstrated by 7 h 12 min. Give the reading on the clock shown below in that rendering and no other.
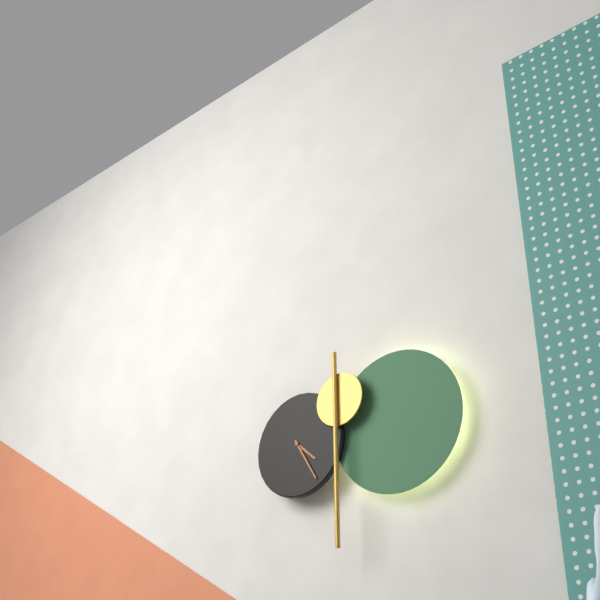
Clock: 4 h 25 min
